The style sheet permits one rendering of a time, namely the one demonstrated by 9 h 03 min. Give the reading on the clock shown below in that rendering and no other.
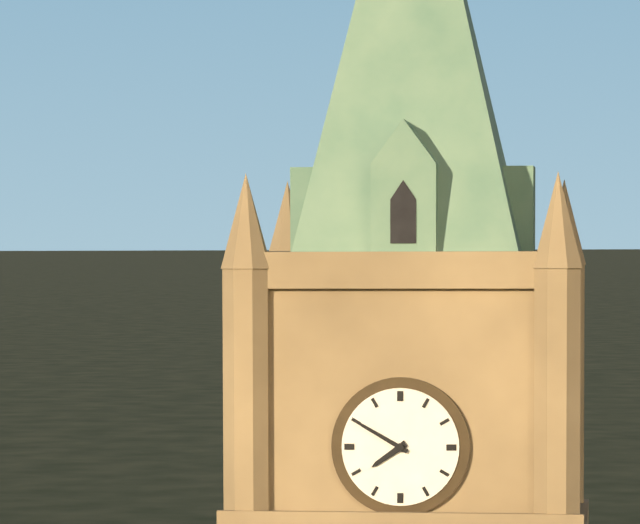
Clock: 7 h 50 min
